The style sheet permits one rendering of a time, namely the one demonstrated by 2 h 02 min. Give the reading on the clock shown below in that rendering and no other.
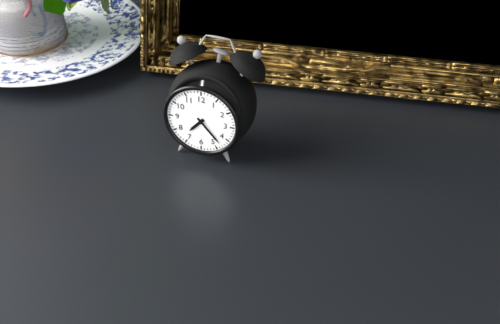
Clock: 7 h 23 min
